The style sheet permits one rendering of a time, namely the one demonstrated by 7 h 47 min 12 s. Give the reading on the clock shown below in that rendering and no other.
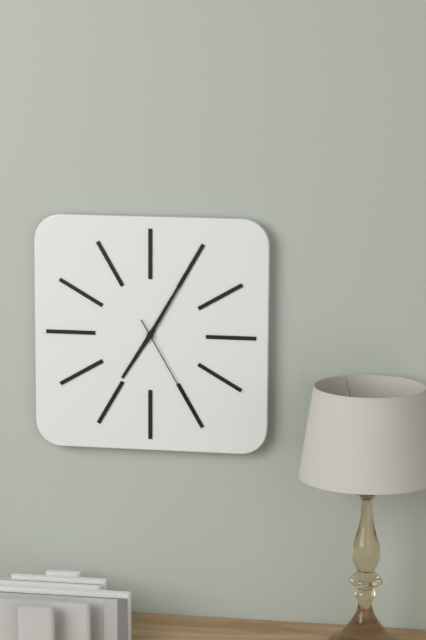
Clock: 7 h 05 min 25 s
